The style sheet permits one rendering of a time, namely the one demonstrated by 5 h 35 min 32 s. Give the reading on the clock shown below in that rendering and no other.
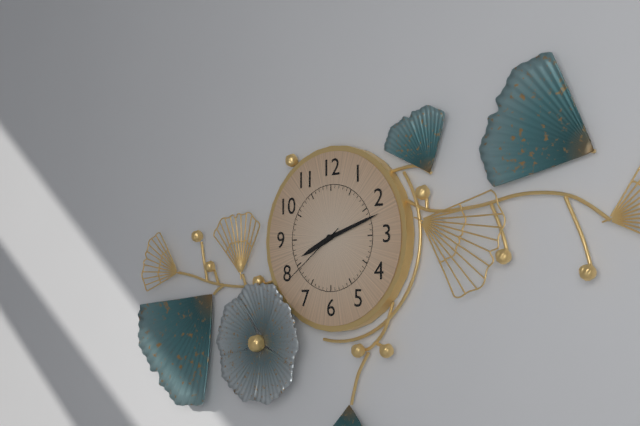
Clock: 8 h 12 min 39 s
